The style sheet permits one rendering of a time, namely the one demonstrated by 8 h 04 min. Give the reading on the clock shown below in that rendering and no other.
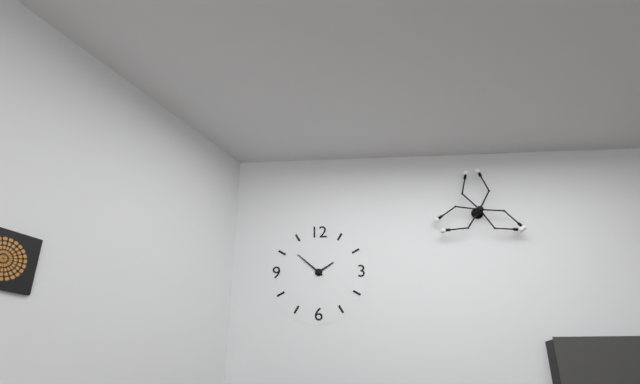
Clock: 1 h 52 min
